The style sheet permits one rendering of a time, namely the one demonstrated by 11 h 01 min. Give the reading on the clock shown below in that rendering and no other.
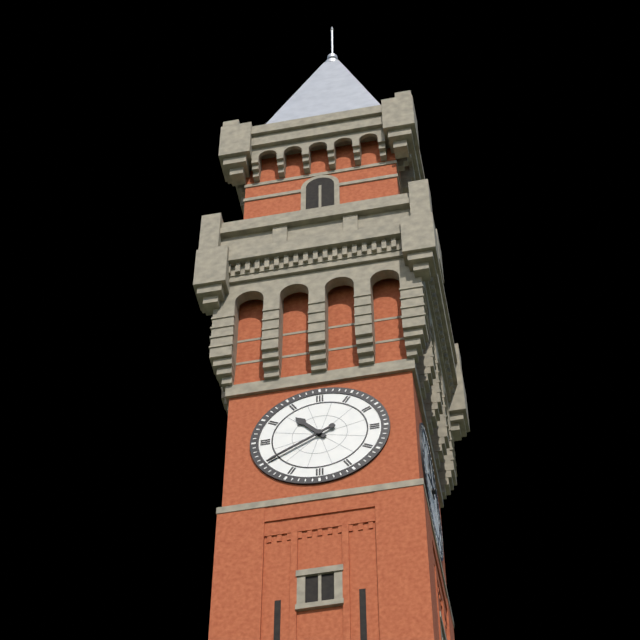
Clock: 10 h 40 min
